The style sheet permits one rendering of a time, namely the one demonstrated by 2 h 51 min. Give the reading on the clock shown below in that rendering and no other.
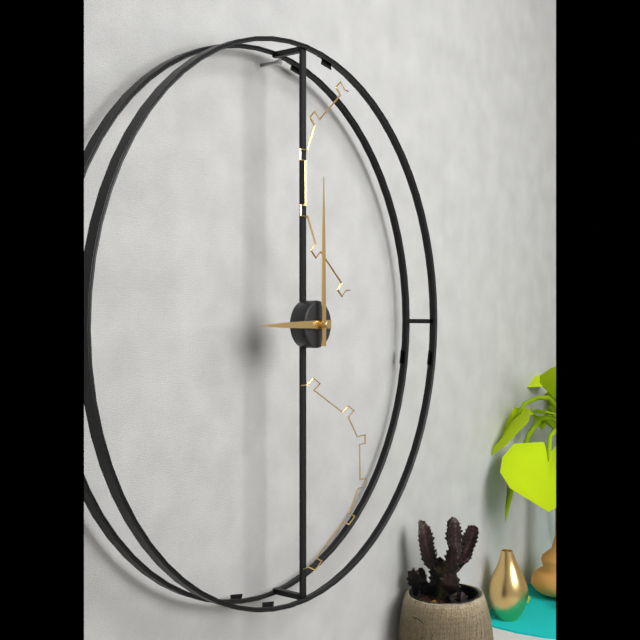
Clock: 9 h 00 min
